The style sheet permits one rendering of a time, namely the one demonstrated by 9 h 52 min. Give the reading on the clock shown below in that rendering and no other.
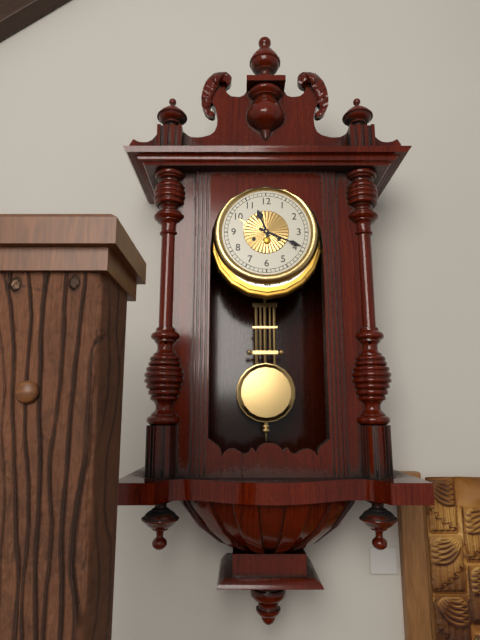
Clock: 11 h 19 min
